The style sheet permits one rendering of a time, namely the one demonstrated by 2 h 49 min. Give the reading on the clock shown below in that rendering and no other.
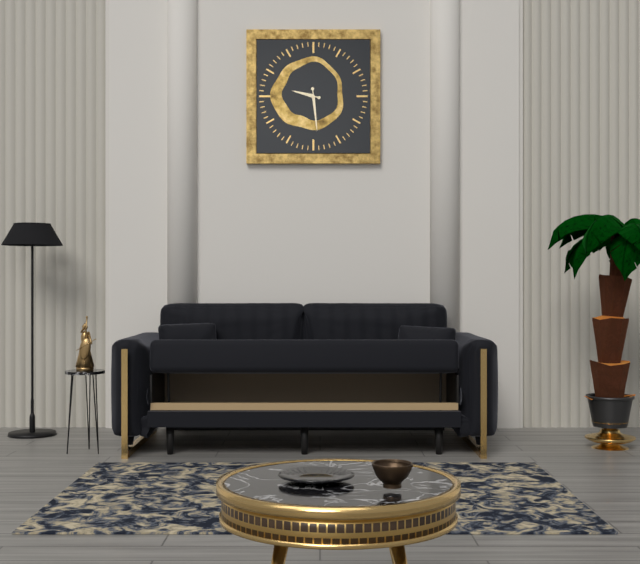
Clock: 9 h 29 min
